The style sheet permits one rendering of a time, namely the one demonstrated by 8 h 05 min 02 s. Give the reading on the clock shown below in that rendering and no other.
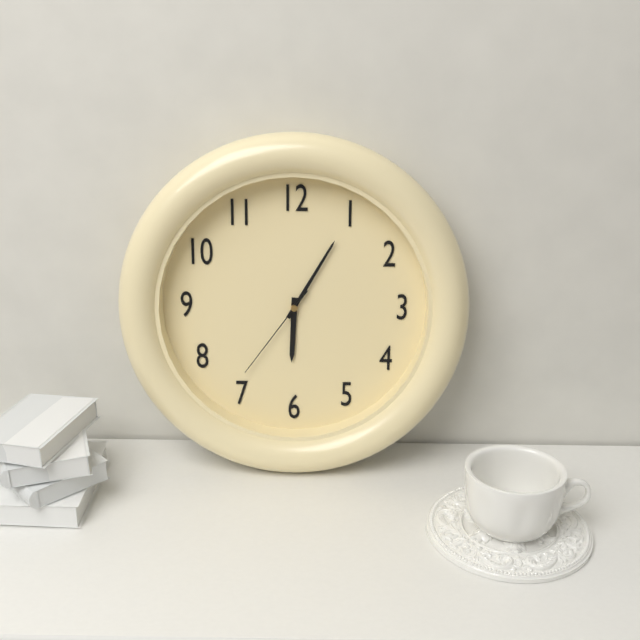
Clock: 6 h 05 min 36 s
